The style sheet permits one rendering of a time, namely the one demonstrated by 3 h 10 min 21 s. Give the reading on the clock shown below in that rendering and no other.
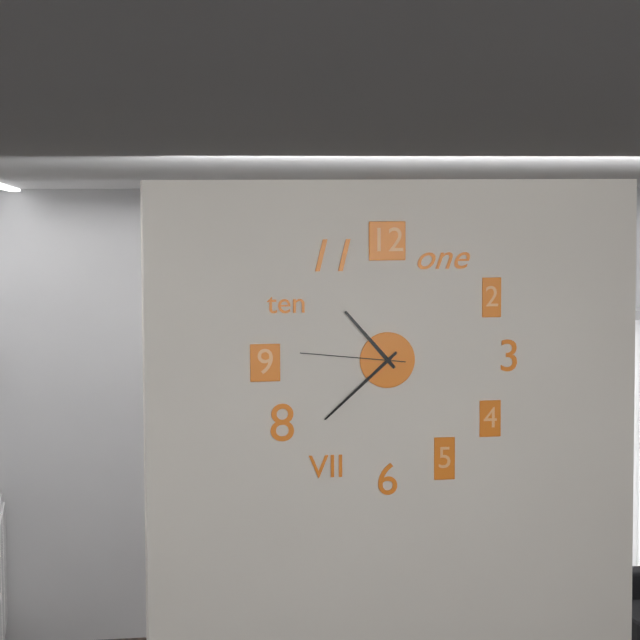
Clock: 10 h 38 min 46 s
